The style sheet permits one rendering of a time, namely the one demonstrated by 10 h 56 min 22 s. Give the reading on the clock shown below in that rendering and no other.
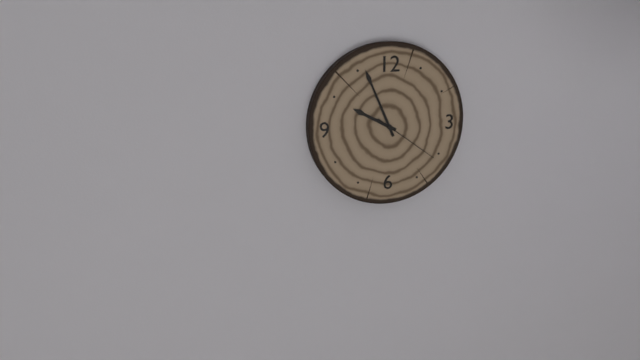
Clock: 9 h 56 min 21 s
